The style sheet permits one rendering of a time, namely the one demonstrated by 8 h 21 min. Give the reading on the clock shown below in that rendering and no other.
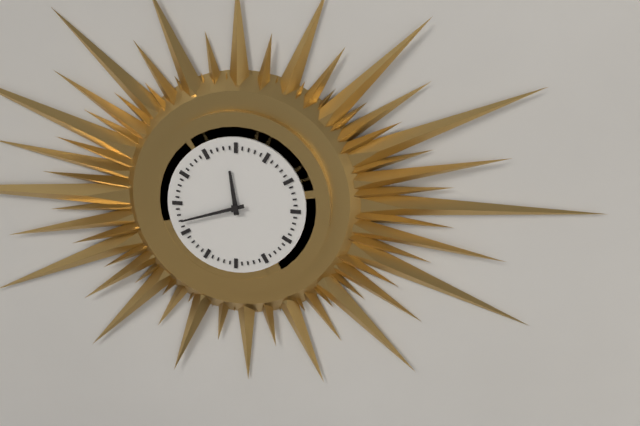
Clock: 11 h 42 min
